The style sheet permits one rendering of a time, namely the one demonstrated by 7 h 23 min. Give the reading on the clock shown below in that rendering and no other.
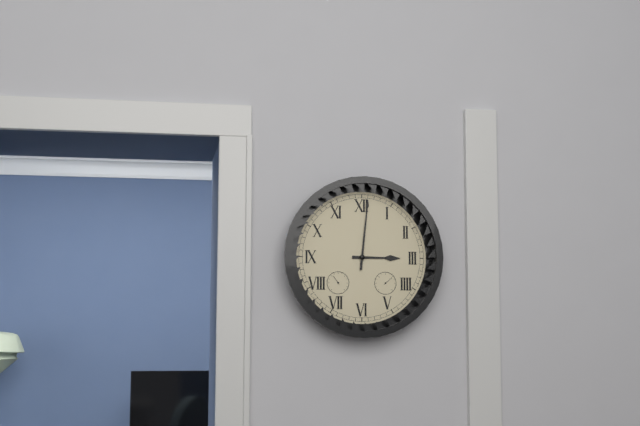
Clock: 3 h 01 min
